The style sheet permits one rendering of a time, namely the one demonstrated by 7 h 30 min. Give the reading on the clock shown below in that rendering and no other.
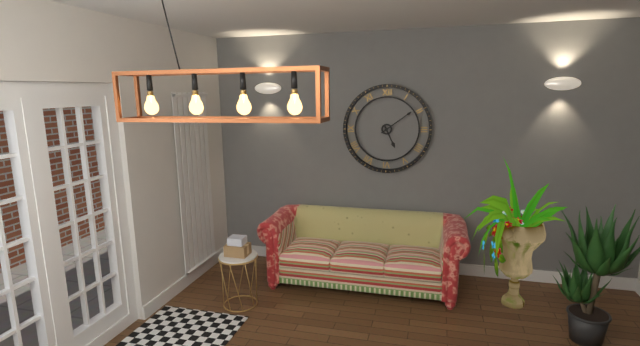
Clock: 5 h 09 min
